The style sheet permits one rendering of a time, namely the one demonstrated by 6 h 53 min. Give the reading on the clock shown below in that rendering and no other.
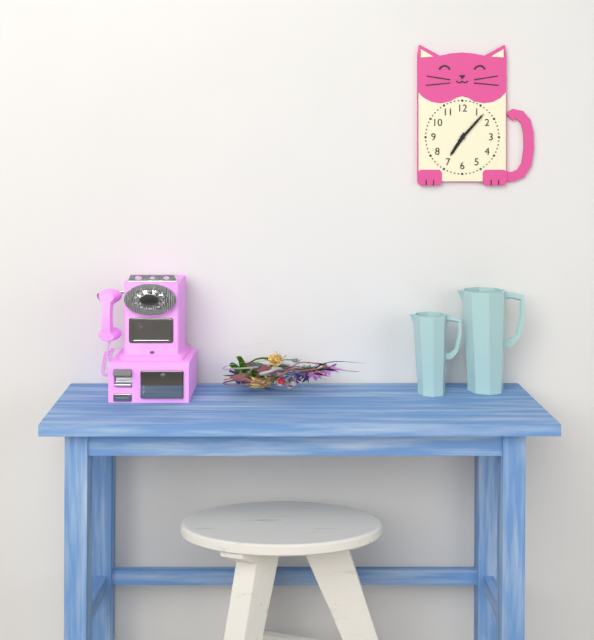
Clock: 7 h 07 min
